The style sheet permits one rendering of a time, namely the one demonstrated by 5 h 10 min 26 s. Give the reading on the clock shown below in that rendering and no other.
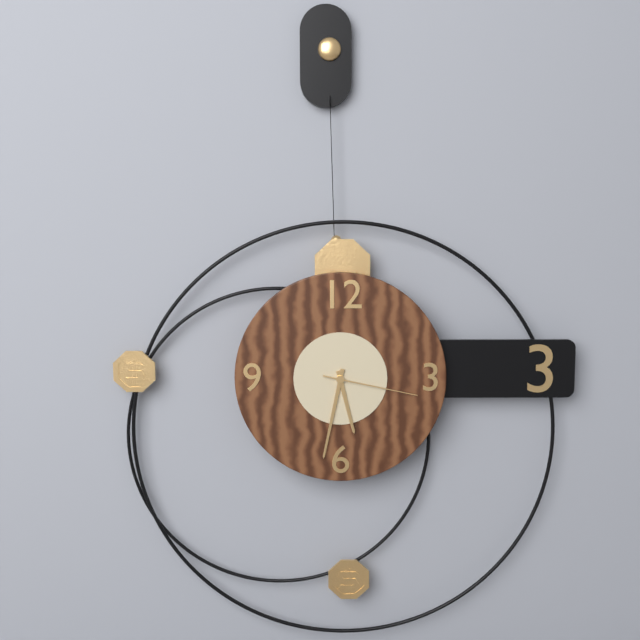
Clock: 5 h 32 min 17 s
